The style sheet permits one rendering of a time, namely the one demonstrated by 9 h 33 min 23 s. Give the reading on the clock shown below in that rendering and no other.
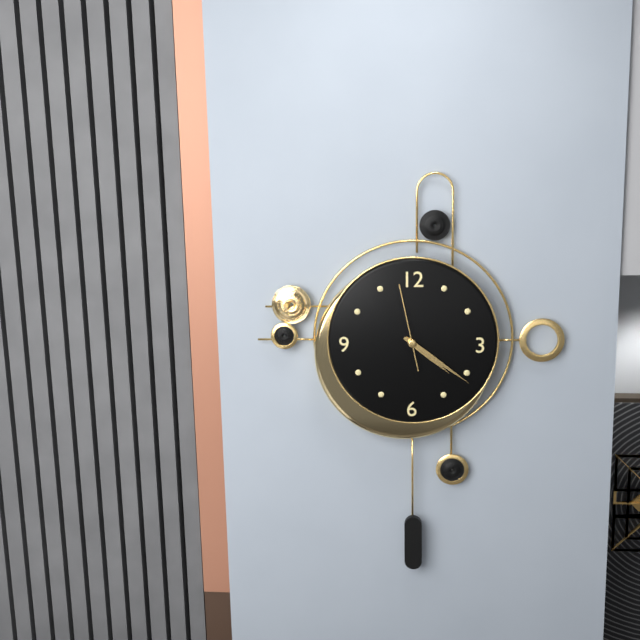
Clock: 4 h 21 min 58 s
